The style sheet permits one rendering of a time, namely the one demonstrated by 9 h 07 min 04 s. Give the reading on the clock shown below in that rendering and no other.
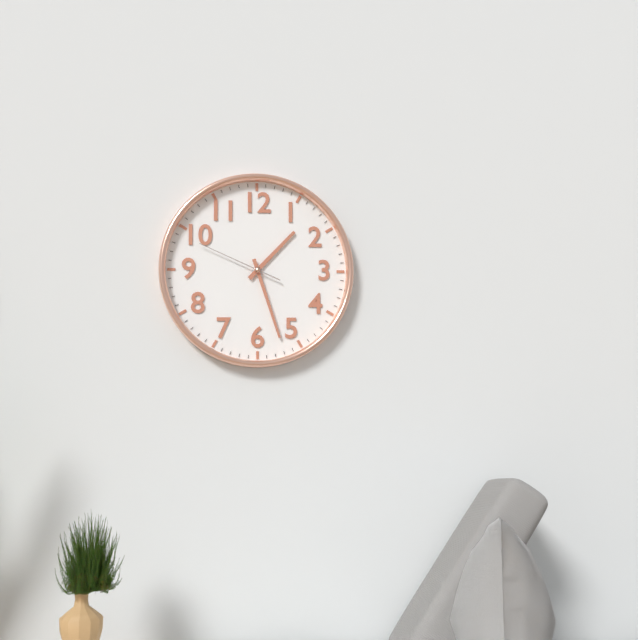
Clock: 1 h 27 min 49 s
